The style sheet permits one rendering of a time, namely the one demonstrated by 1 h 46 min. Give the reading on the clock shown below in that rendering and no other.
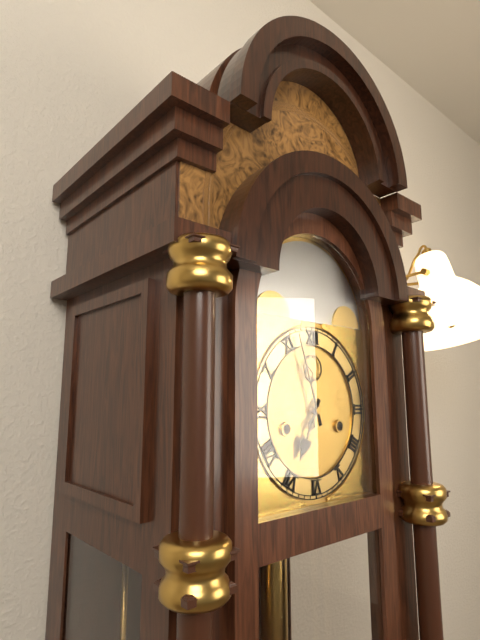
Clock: 6 h 57 min
